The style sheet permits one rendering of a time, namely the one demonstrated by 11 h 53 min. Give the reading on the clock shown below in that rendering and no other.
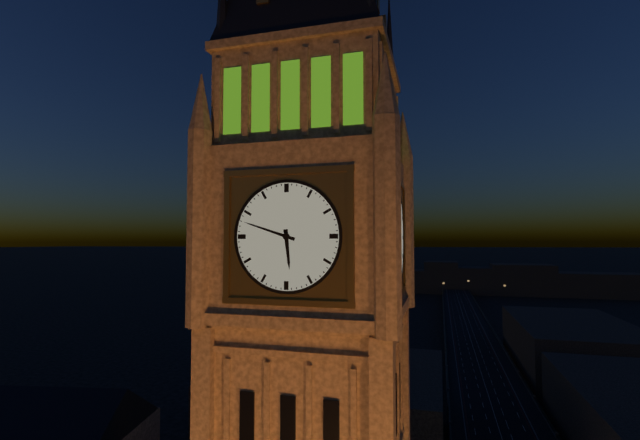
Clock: 5 h 48 min
